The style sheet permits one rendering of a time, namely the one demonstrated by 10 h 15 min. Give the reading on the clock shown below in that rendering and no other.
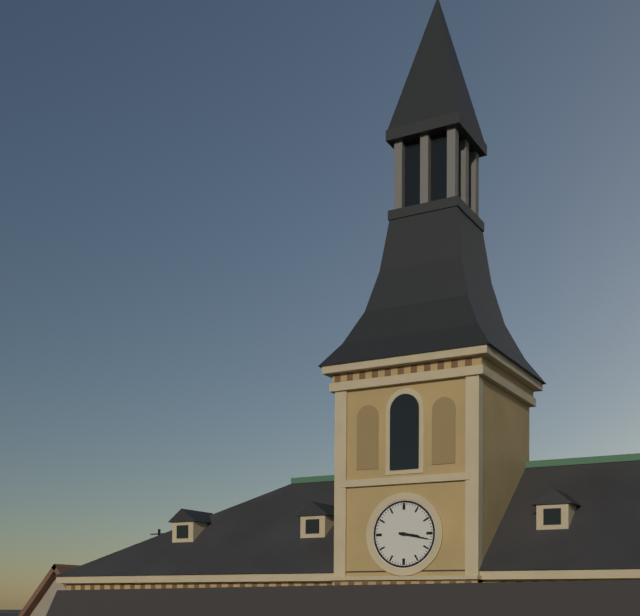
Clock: 3 h 17 min
